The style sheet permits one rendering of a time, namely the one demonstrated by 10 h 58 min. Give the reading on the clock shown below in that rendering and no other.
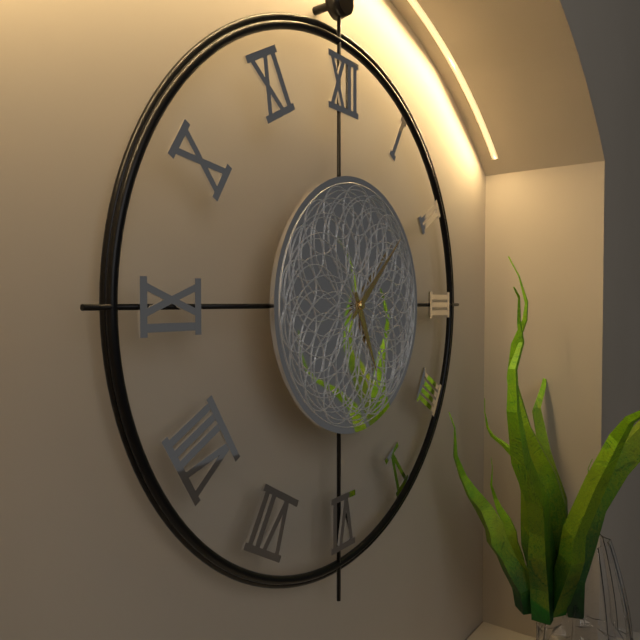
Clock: 5 h 08 min
